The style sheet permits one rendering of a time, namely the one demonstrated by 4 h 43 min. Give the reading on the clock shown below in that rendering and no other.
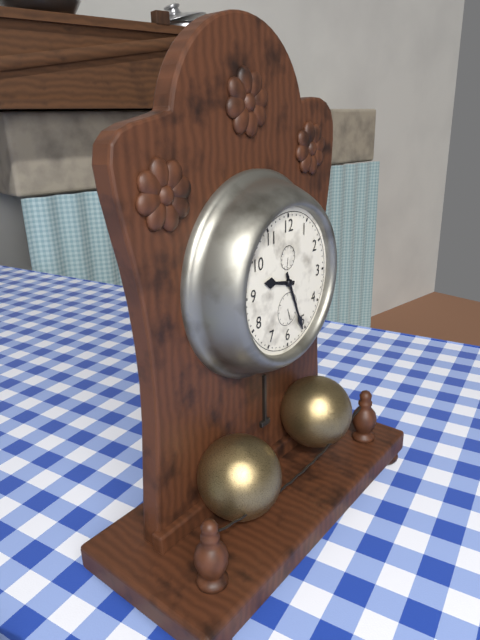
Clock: 9 h 26 min
